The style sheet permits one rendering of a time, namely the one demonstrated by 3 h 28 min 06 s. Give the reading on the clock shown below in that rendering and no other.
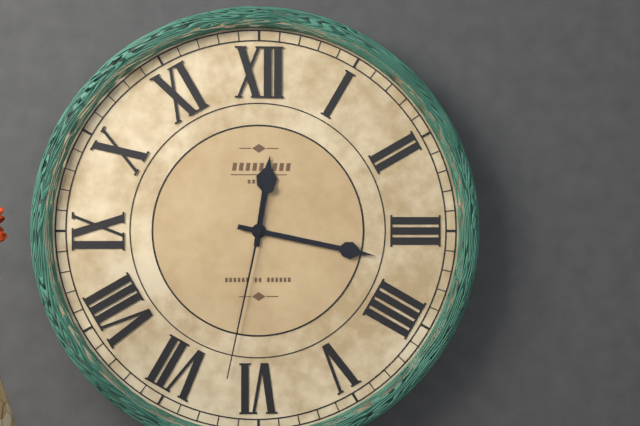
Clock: 12 h 17 min 32 s
